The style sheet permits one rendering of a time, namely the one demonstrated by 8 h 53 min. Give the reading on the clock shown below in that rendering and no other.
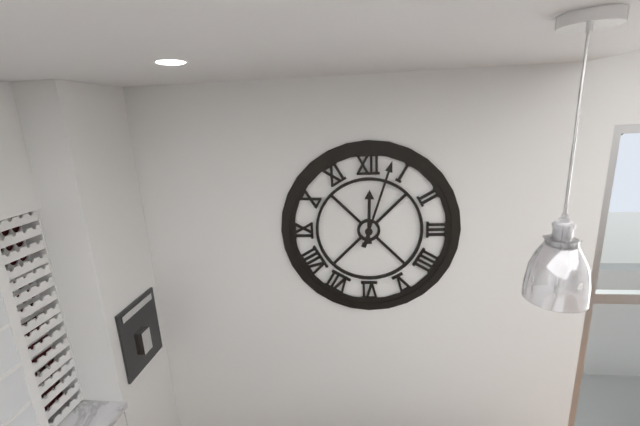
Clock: 12 h 03 min
